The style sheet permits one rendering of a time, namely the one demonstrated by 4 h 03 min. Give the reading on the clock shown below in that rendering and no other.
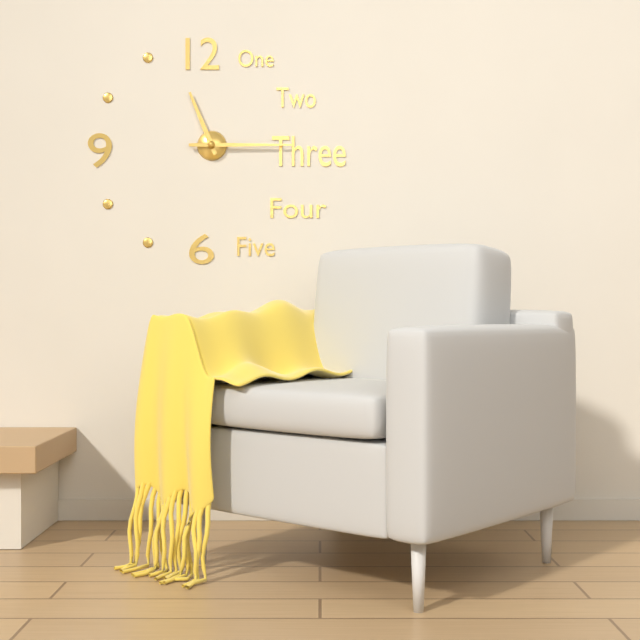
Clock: 11 h 15 min
